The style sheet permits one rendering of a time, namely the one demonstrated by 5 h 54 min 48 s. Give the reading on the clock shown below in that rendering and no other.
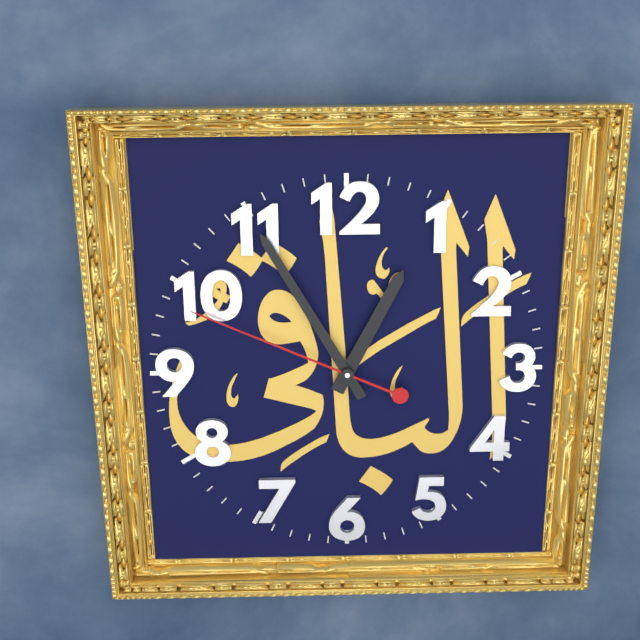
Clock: 12 h 55 min 49 s
